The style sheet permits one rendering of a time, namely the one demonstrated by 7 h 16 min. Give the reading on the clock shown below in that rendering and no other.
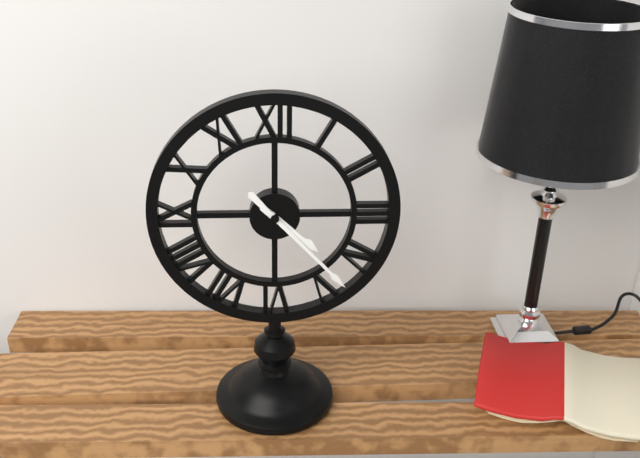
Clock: 4 h 23 min
